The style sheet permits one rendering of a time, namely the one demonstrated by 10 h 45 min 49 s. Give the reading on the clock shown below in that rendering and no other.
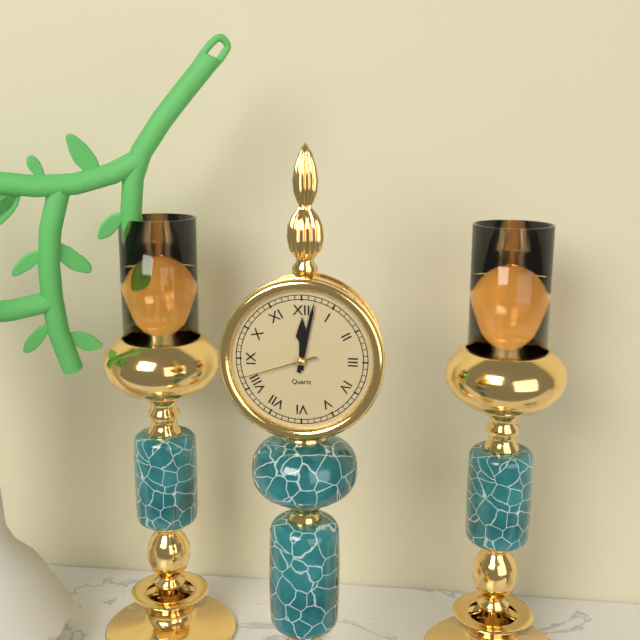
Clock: 12 h 02 min 42 s
